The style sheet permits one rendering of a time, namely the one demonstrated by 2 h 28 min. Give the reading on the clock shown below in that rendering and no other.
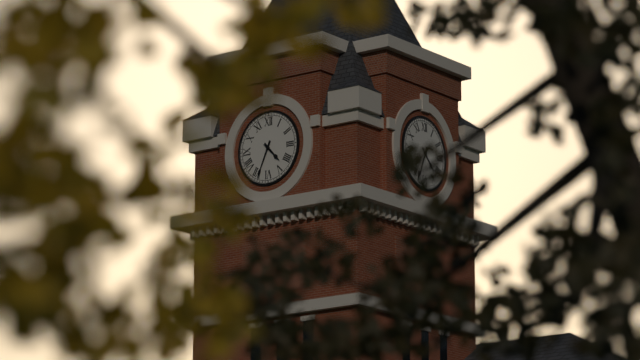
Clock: 4 h 34 min
